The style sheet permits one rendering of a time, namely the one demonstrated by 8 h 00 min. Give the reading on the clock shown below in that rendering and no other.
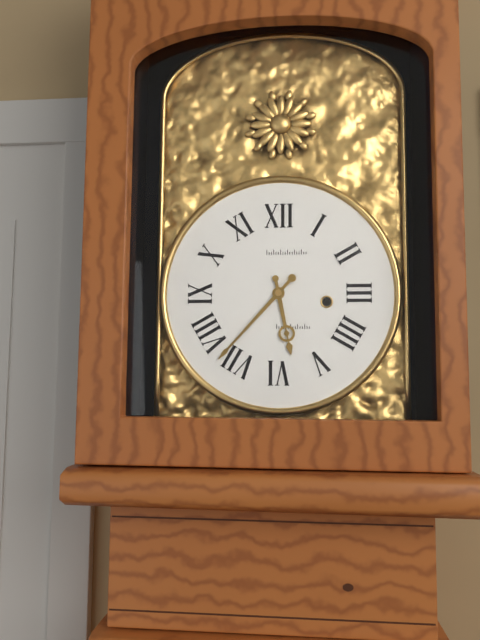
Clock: 5 h 37 min
